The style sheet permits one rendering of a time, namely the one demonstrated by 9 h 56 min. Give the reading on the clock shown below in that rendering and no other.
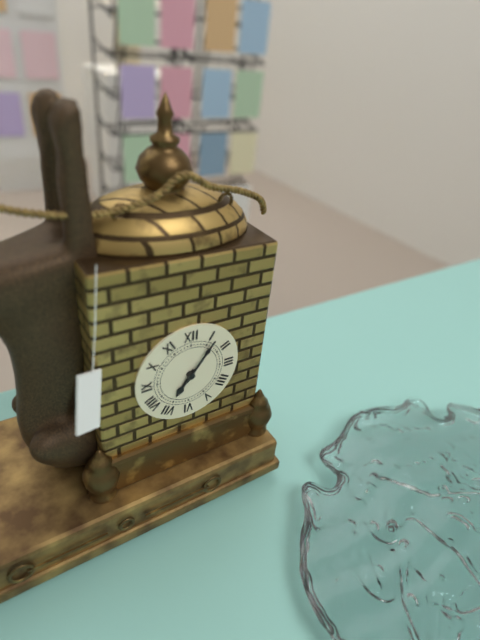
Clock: 7 h 06 min
